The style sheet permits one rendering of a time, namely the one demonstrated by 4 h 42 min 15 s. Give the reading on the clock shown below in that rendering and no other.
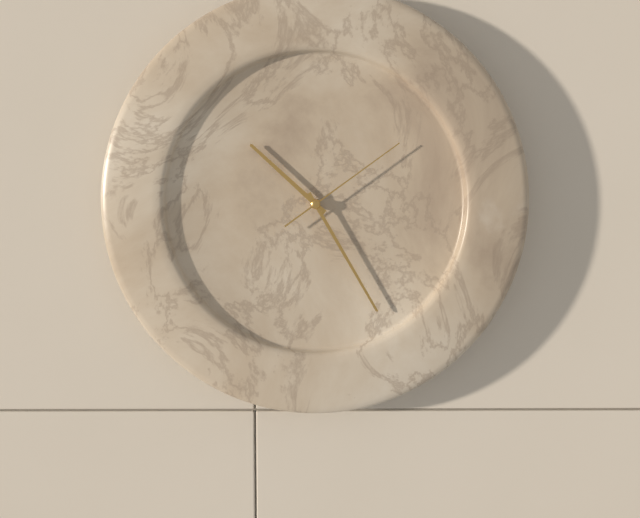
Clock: 10 h 25 min 09 s
